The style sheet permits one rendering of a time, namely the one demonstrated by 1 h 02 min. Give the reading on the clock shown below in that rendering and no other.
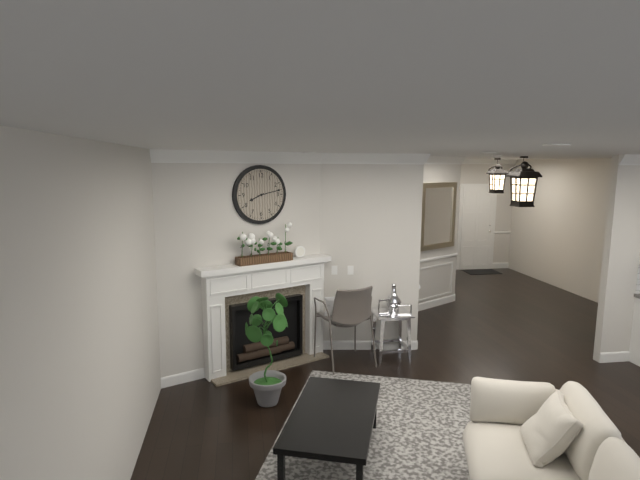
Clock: 8 h 13 min
